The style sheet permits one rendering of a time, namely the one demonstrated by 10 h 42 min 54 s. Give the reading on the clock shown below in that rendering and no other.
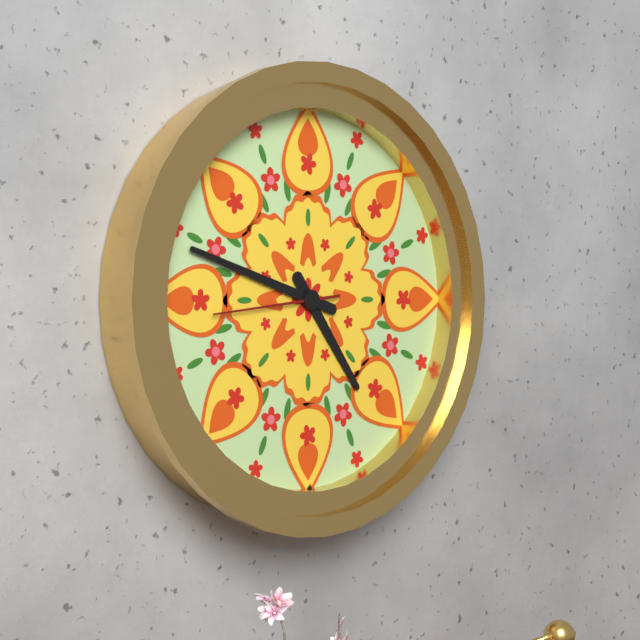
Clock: 4 h 48 min 44 s
